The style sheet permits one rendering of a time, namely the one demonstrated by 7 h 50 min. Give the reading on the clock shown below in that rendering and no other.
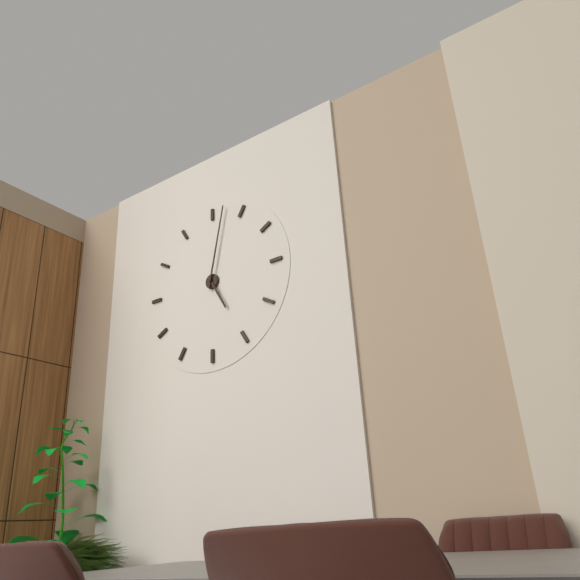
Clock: 5 h 02 min
